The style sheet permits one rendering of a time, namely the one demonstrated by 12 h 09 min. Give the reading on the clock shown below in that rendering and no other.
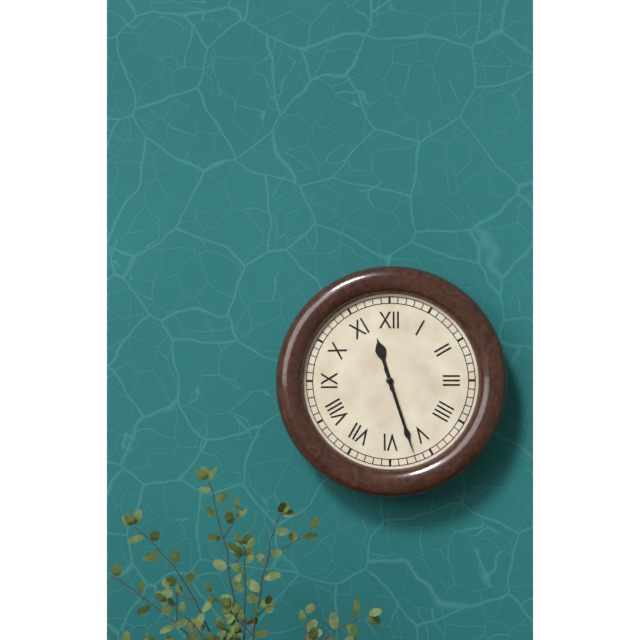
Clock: 11 h 27 min
